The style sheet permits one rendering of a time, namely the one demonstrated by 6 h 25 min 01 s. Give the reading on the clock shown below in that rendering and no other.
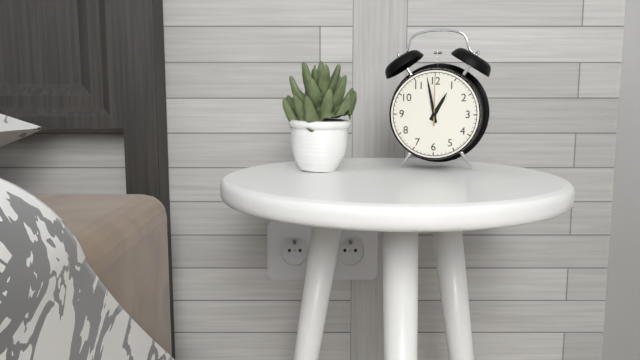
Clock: 12 h 58 min 00 s
